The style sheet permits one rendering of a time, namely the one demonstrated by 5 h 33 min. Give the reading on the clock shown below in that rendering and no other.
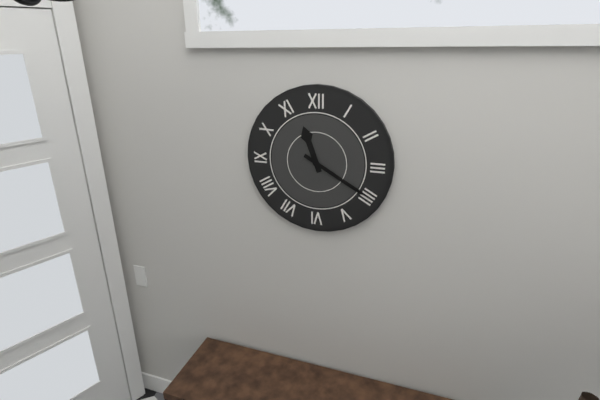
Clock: 11 h 20 min
